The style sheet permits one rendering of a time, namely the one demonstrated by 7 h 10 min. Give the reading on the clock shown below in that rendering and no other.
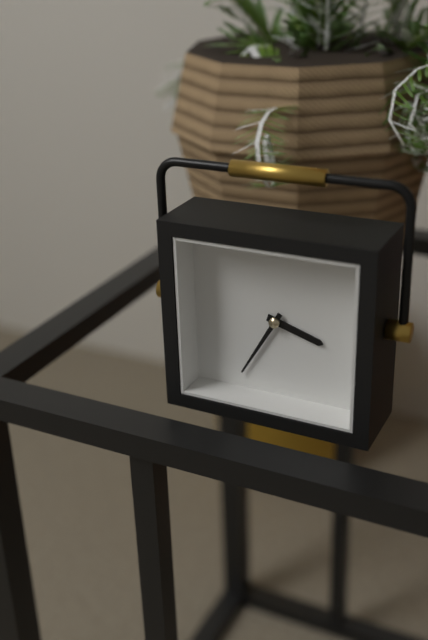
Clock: 3 h 35 min
